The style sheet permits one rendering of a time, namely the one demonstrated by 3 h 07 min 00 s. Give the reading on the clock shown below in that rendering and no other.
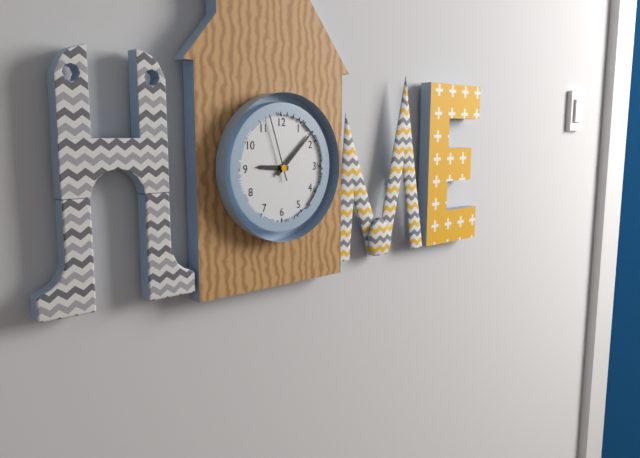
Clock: 9 h 08 min 57 s
